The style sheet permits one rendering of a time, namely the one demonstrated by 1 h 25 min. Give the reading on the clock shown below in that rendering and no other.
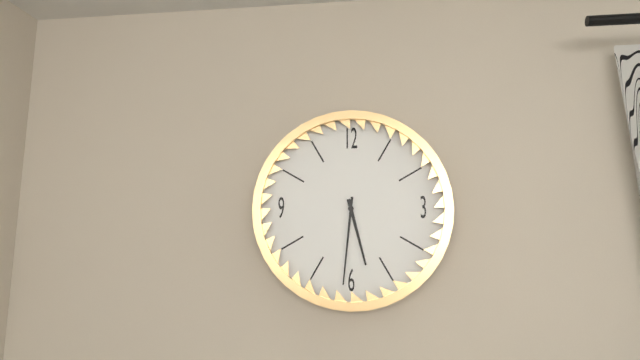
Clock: 5 h 31 min
